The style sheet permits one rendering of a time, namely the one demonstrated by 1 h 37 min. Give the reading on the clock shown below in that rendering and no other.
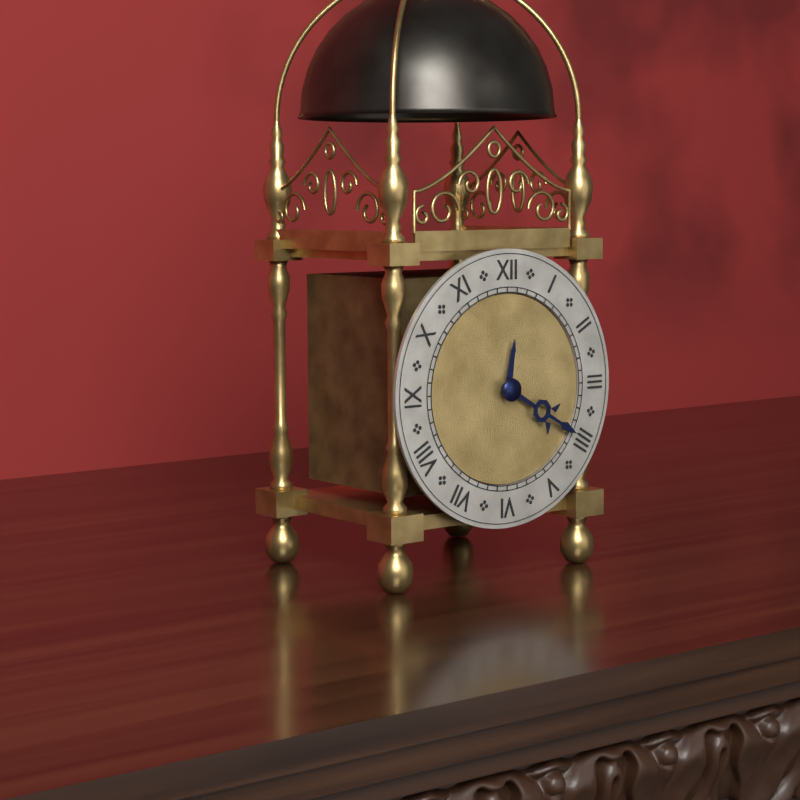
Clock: 12 h 20 min
